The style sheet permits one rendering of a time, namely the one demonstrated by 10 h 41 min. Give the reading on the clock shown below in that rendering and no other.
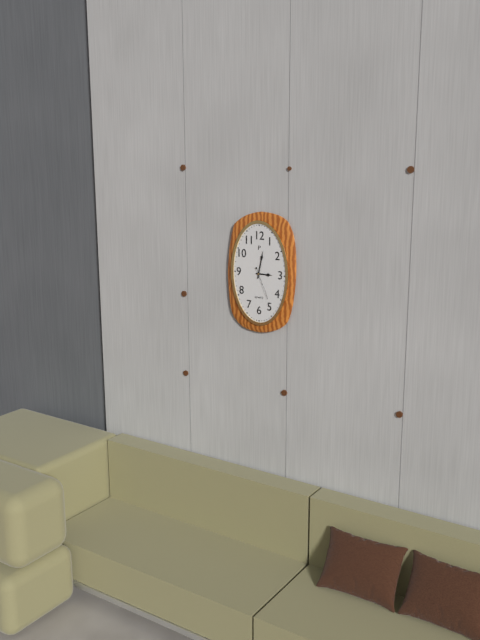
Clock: 3 h 02 min
